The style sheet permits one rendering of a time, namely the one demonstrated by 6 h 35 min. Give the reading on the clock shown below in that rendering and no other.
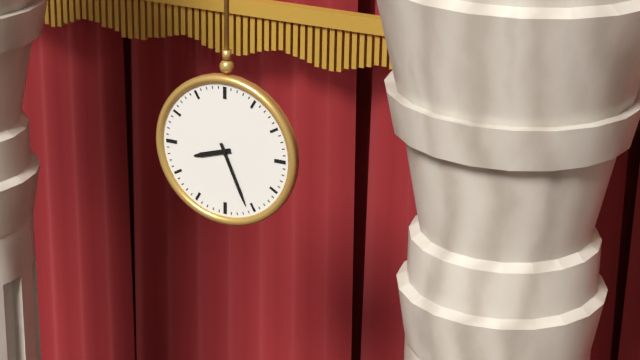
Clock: 8 h 26 min
